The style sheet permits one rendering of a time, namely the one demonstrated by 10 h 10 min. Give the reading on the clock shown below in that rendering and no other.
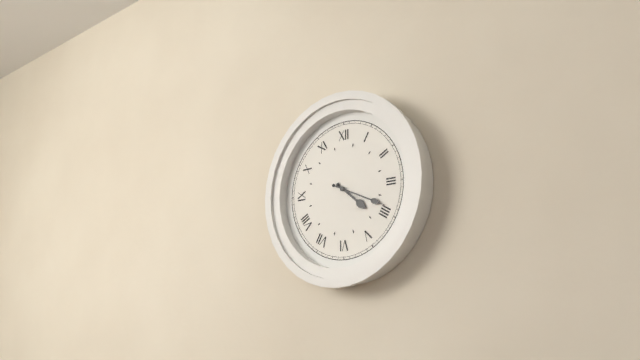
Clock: 4 h 19 min
